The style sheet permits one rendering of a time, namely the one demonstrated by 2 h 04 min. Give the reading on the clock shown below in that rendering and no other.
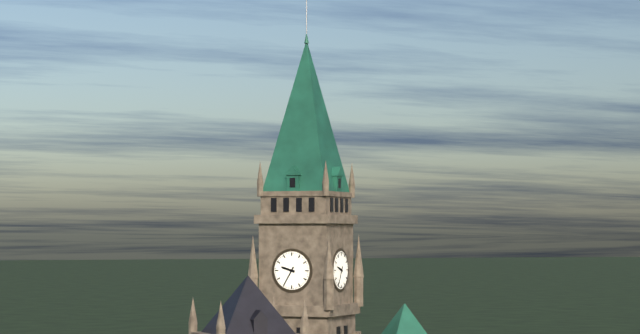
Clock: 9 h 35 min
